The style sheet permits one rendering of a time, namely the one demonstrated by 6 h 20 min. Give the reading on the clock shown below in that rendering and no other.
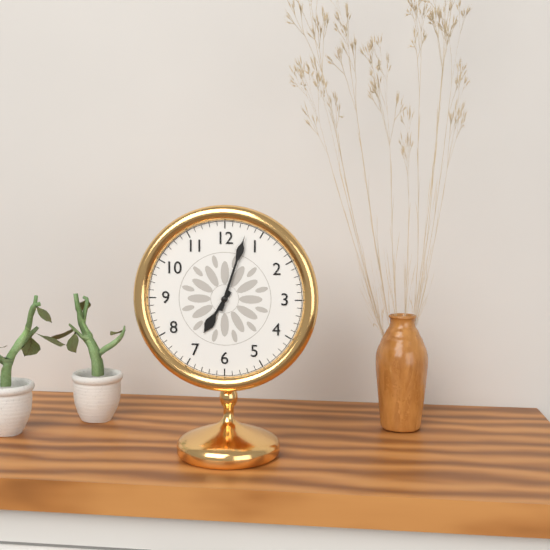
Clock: 7 h 03 min
